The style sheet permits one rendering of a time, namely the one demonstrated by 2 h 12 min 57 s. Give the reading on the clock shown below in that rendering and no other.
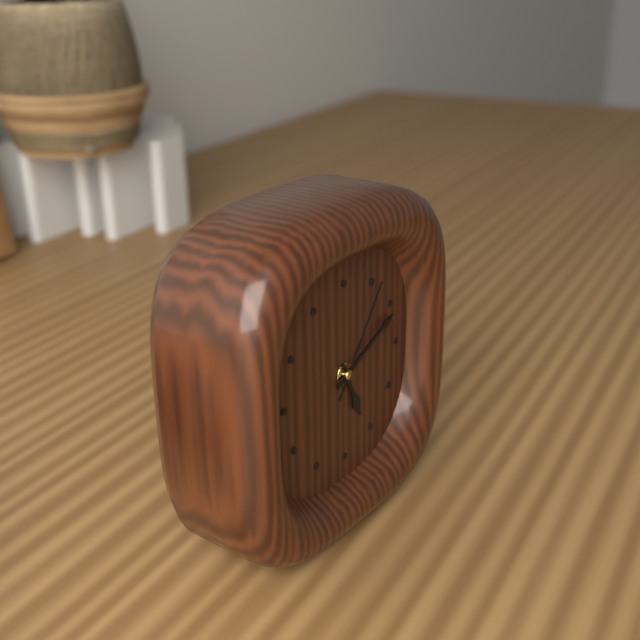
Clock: 5 h 11 min 06 s
